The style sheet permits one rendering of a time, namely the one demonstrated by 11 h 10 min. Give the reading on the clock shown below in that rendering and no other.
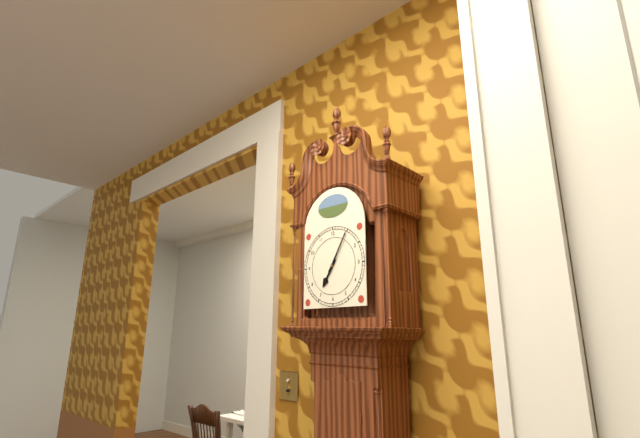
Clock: 7 h 05 min
